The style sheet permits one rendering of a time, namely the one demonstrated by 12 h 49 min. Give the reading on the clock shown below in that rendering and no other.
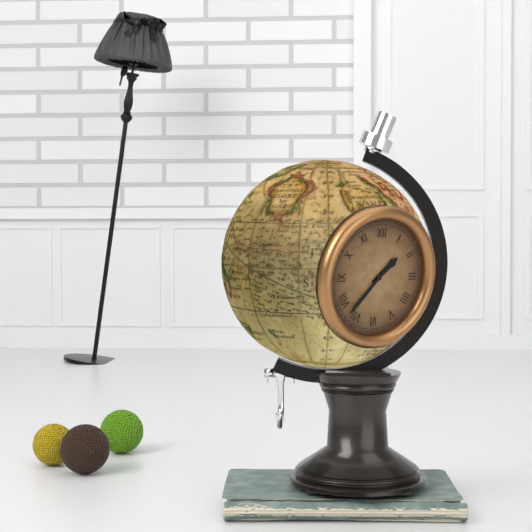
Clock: 1 h 37 min
